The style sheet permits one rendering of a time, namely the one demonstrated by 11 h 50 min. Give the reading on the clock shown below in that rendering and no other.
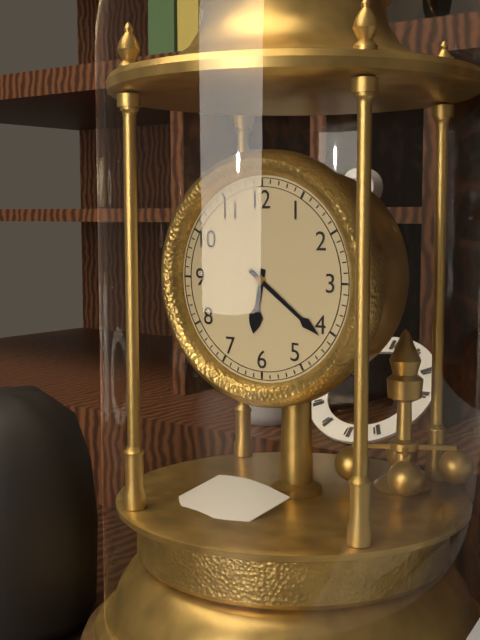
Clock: 6 h 21 min
